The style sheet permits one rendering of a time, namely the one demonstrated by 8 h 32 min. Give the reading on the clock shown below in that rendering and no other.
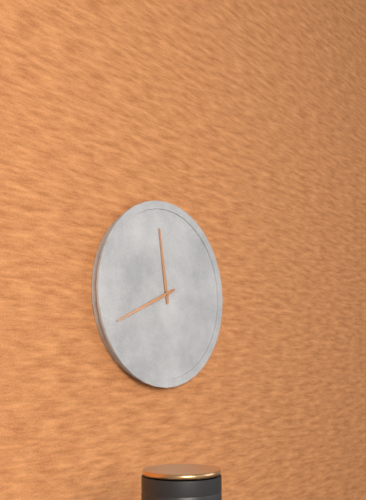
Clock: 11 h 41 min
